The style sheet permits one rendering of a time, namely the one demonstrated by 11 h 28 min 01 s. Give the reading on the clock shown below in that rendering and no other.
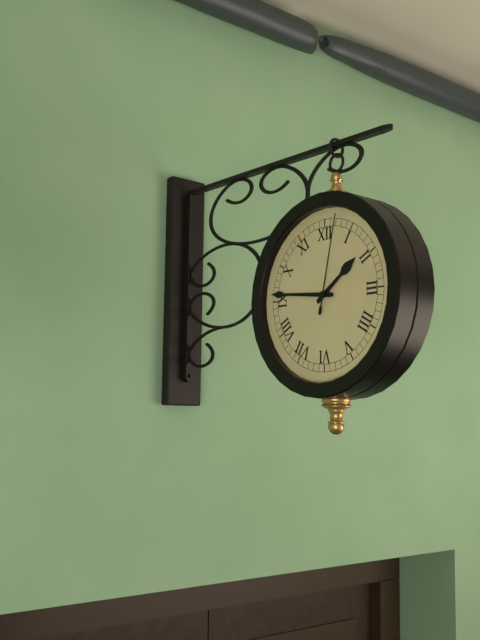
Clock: 1 h 46 min 02 s
